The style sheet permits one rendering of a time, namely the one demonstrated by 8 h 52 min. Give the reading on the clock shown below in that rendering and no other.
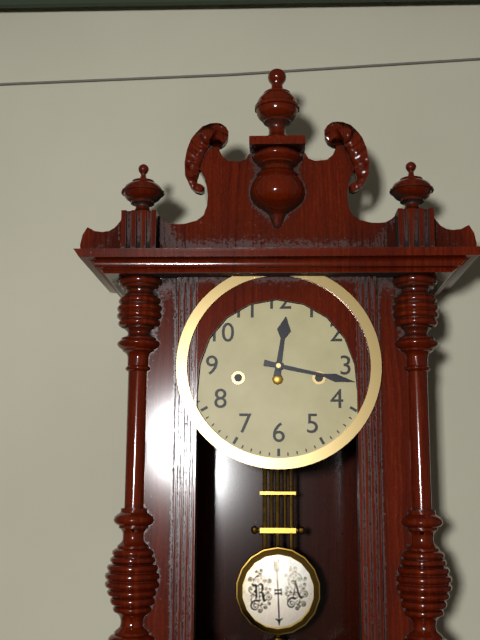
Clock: 12 h 17 min
